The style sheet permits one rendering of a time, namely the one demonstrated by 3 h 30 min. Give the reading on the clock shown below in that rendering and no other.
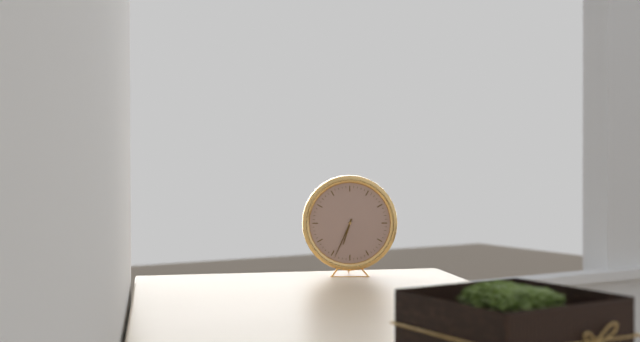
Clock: 6 h 34 min
